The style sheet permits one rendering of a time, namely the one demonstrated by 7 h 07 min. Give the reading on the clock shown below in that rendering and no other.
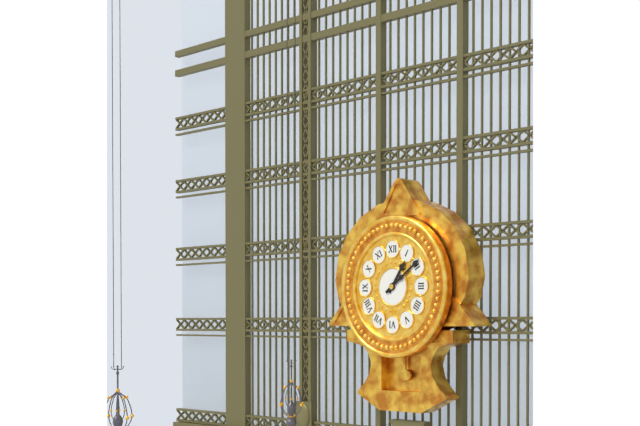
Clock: 1 h 09 min
